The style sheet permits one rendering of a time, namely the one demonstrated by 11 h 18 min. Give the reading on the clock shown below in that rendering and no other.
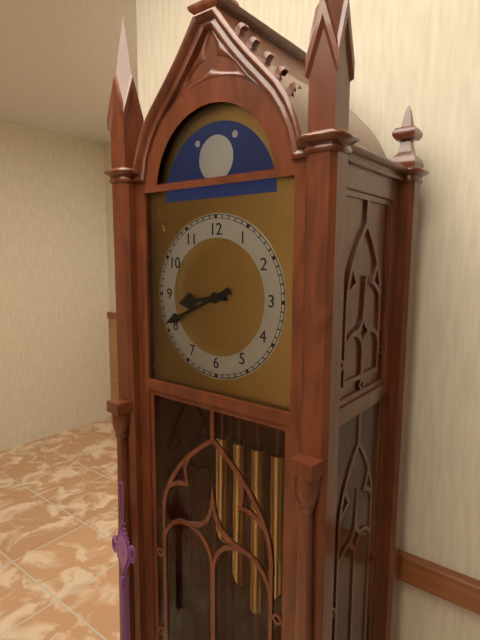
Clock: 8 h 41 min
